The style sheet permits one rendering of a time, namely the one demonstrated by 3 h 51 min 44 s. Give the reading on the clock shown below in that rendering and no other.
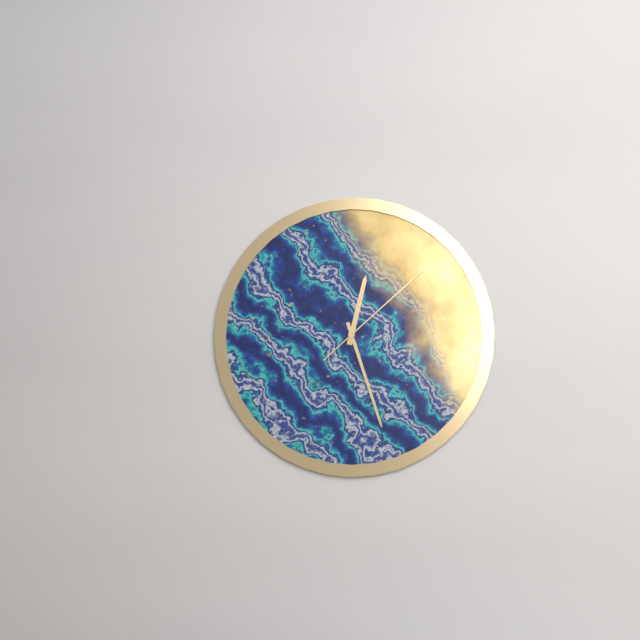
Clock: 12 h 27 min 08 s
